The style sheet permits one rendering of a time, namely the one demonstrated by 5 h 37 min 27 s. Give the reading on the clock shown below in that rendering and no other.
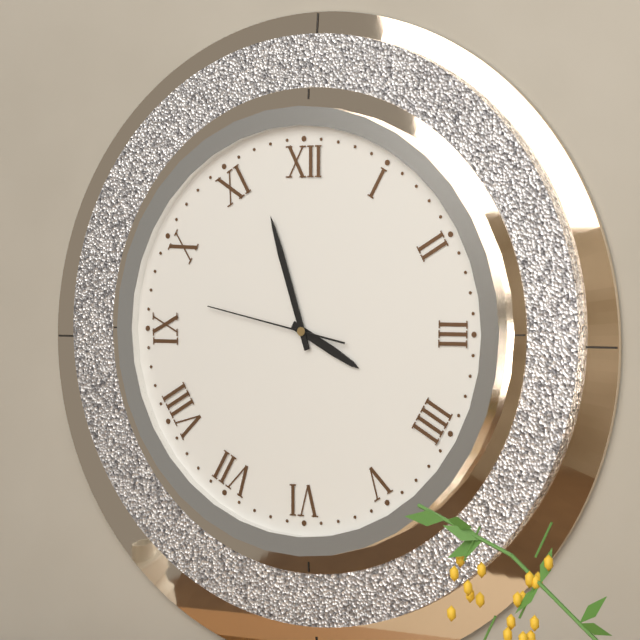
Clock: 3 h 57 min 47 s
